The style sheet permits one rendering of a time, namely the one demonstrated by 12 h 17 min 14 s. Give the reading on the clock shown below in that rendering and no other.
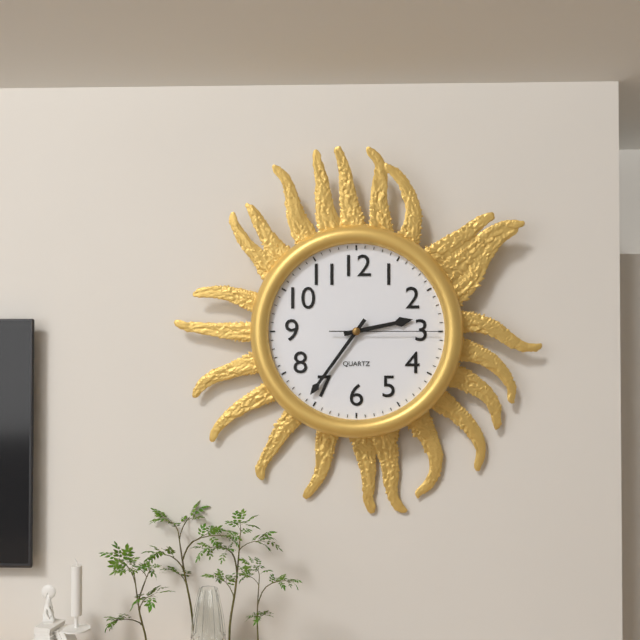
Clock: 2 h 36 min 15 s
